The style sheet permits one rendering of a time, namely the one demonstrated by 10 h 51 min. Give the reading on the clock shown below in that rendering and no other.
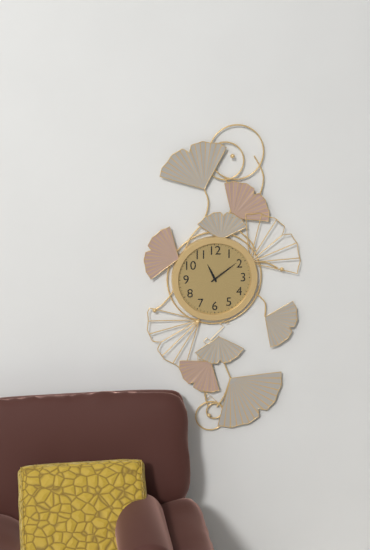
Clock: 11 h 09 min
